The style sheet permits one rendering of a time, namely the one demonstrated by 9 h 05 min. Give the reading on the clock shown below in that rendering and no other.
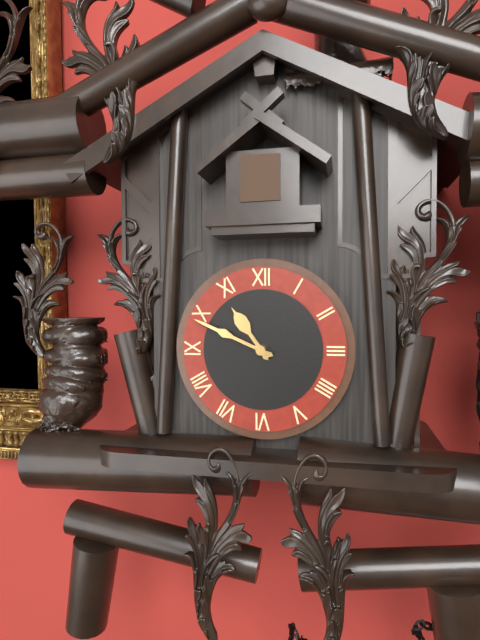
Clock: 10 h 49 min
